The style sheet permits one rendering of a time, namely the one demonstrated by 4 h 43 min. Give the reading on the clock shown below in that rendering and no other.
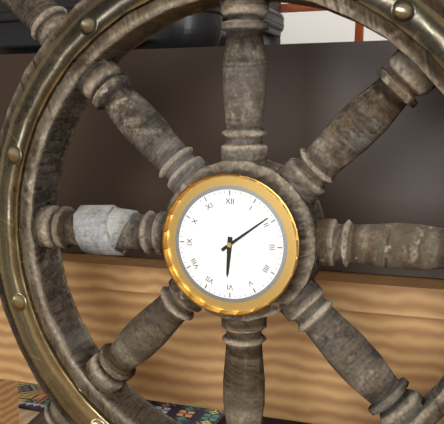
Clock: 6 h 09 min
